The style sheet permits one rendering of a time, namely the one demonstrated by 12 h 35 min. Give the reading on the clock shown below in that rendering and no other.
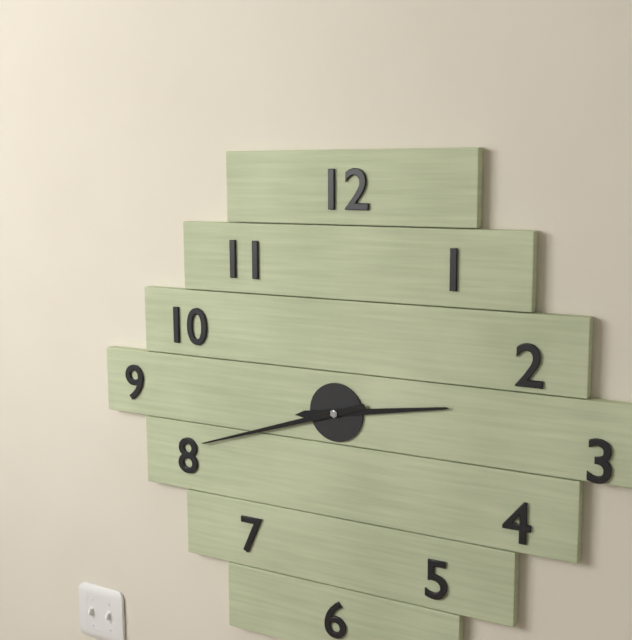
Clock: 2 h 42 min
